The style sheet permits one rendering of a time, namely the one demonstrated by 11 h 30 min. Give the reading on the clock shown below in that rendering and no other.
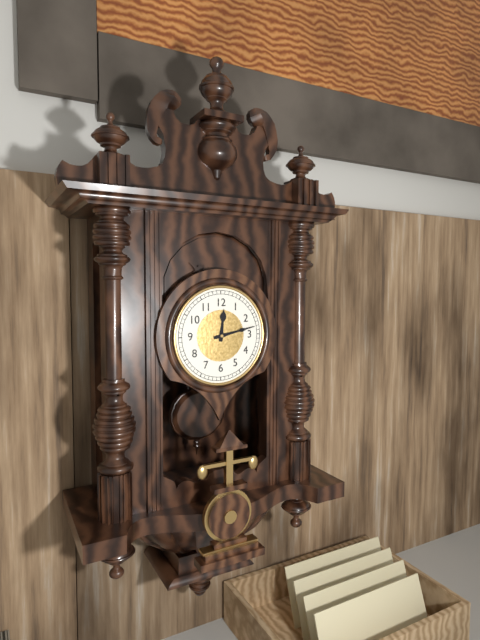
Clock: 12 h 13 min
